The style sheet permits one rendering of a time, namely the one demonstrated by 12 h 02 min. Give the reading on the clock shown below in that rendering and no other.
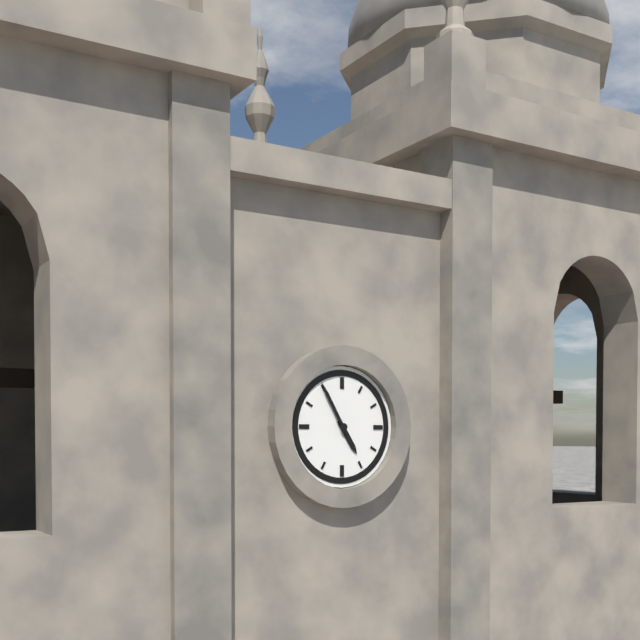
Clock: 4 h 55 min
